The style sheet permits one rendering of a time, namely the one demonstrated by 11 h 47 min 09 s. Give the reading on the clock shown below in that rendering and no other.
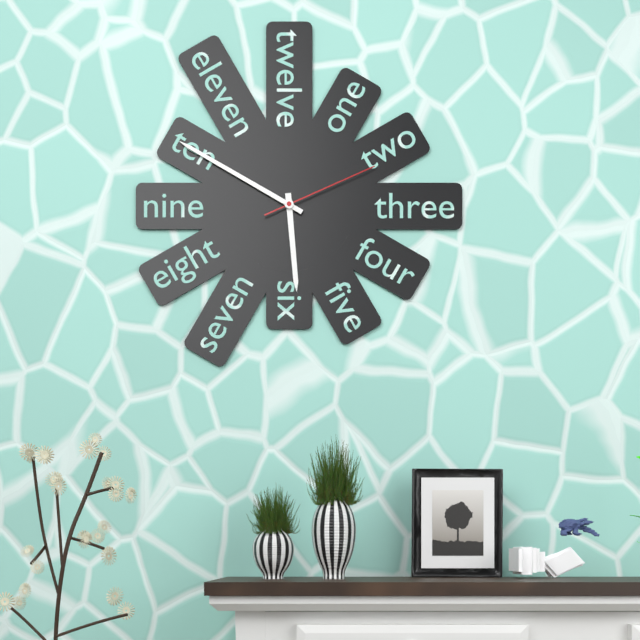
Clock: 5 h 50 min 11 s
